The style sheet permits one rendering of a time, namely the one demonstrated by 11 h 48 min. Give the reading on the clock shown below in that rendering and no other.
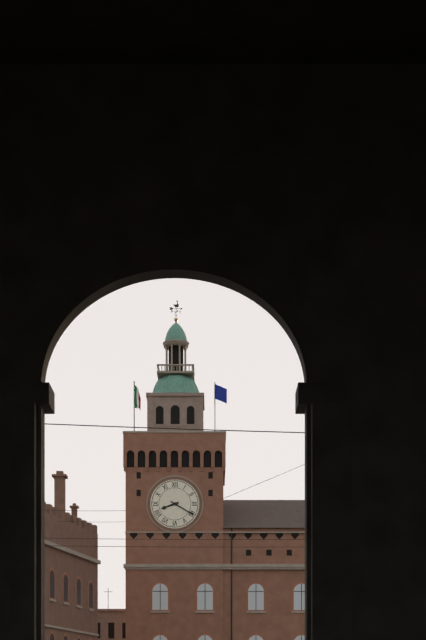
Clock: 8 h 20 min
